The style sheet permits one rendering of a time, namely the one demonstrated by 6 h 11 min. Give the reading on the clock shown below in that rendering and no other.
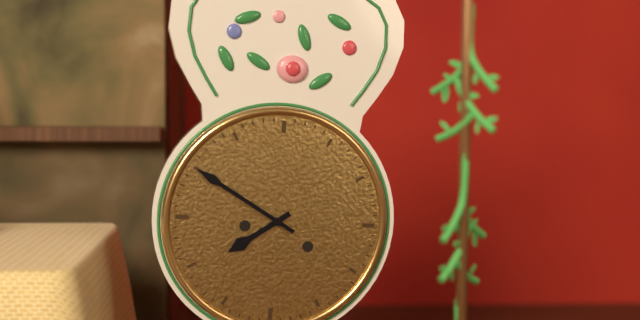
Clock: 7 h 50 min
